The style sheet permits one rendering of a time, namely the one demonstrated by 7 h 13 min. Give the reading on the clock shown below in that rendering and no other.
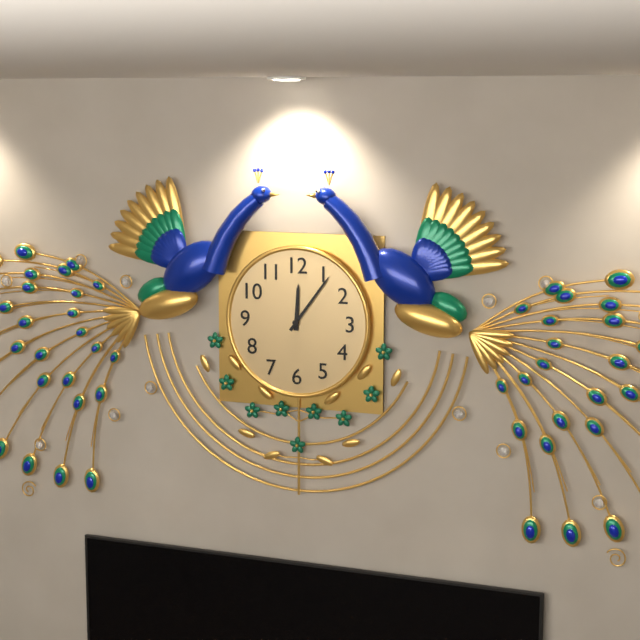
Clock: 12 h 06 min
